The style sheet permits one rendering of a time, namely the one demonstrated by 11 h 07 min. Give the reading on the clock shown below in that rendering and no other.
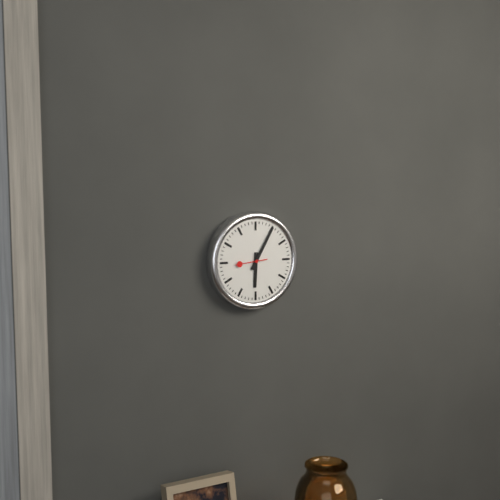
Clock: 6 h 05 min
